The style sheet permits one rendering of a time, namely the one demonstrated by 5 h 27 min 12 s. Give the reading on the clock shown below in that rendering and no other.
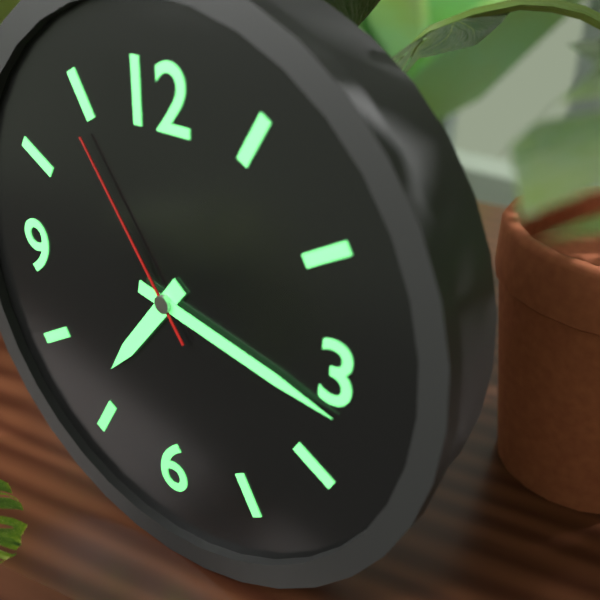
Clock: 7 h 17 min 54 s
